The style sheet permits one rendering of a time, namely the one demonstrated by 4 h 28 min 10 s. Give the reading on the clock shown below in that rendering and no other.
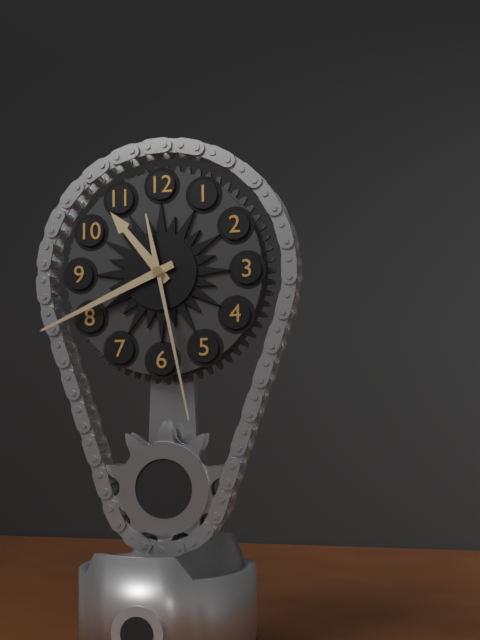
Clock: 10 h 41 min 28 s
